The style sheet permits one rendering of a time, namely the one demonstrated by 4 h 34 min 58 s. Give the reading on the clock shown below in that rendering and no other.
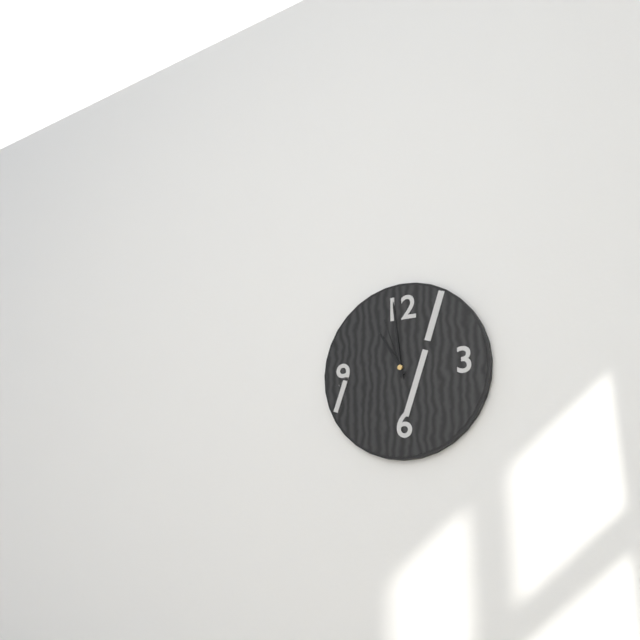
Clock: 10 h 59 min 57 s
